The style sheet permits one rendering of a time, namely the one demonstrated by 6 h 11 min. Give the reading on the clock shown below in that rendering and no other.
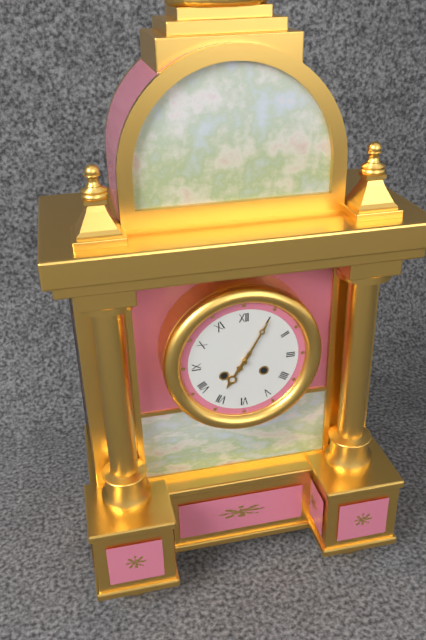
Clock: 7 h 05 min
